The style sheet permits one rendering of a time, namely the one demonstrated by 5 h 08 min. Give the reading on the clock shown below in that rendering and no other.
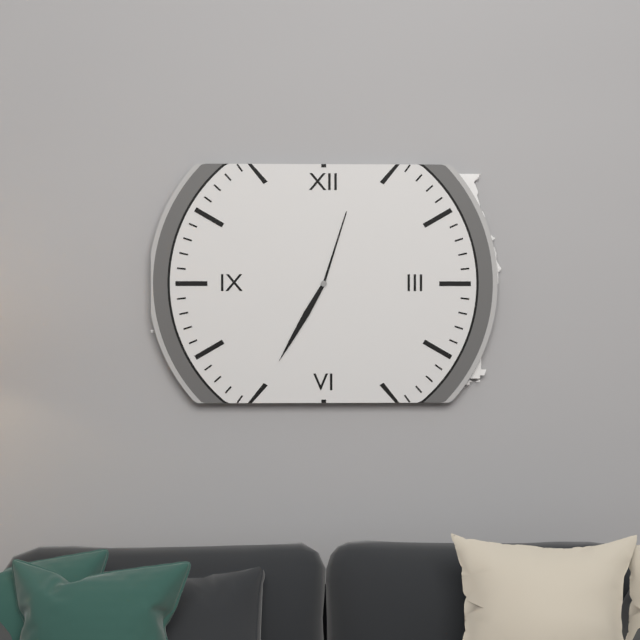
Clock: 12 h 35 min
